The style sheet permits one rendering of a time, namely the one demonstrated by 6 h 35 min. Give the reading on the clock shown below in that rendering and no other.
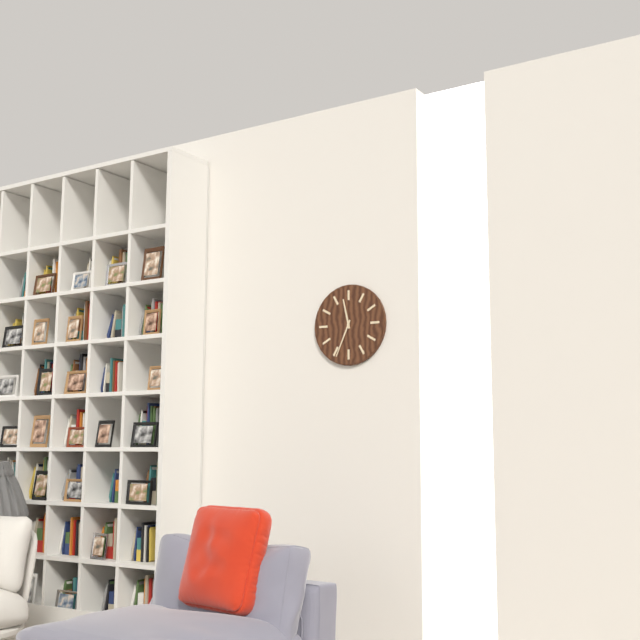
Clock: 11 h 34 min
